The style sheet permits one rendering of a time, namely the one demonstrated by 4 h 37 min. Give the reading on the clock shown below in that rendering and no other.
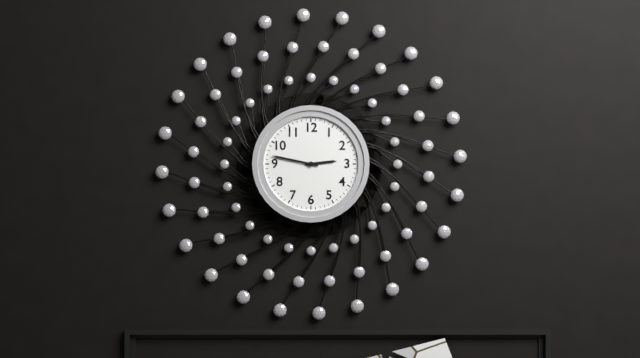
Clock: 2 h 47 min
